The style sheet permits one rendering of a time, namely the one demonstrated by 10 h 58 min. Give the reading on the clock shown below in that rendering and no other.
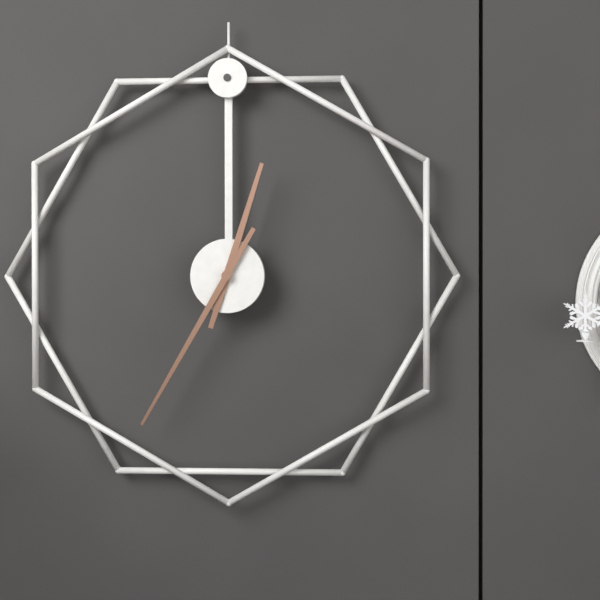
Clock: 12 h 35 min
